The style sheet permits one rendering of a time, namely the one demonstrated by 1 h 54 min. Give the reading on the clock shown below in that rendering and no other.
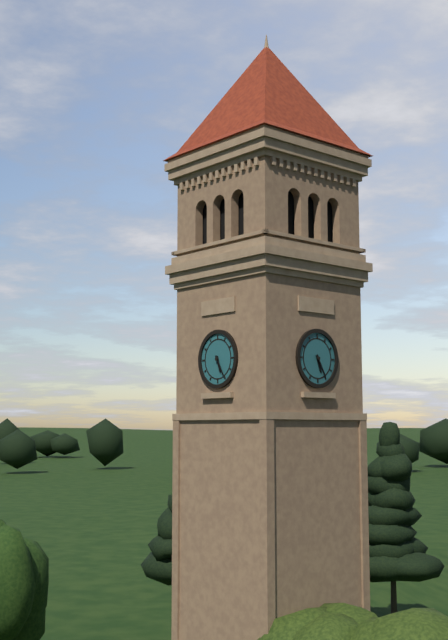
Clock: 5 h 25 min
